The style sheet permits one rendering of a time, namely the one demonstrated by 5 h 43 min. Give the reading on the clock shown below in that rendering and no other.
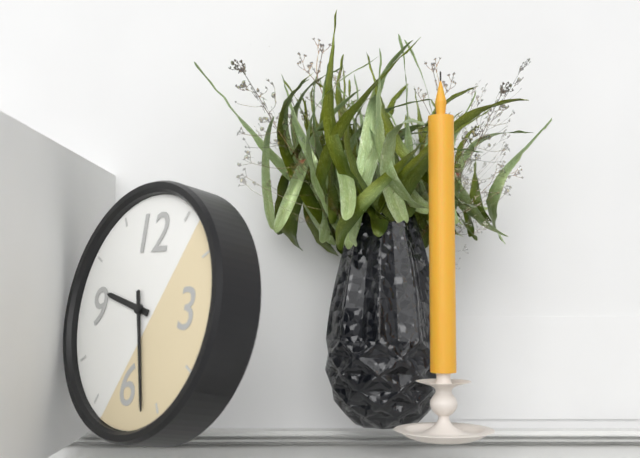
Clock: 9 h 27 min
